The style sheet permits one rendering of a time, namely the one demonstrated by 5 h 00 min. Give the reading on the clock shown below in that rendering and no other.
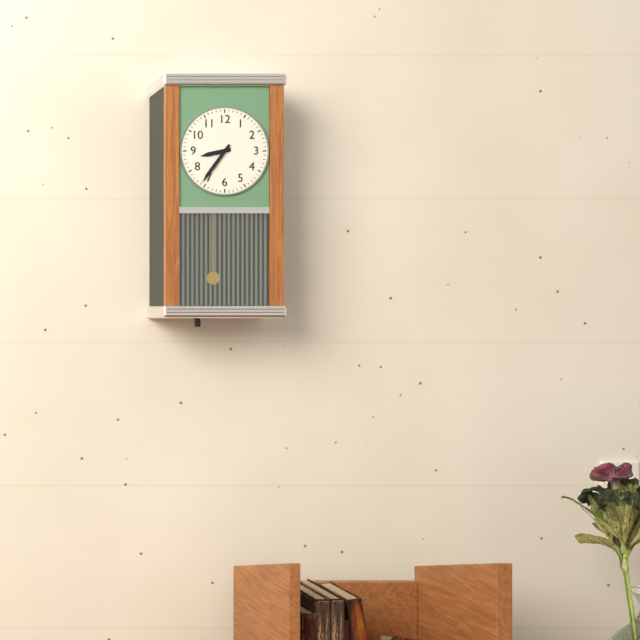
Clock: 8 h 36 min
